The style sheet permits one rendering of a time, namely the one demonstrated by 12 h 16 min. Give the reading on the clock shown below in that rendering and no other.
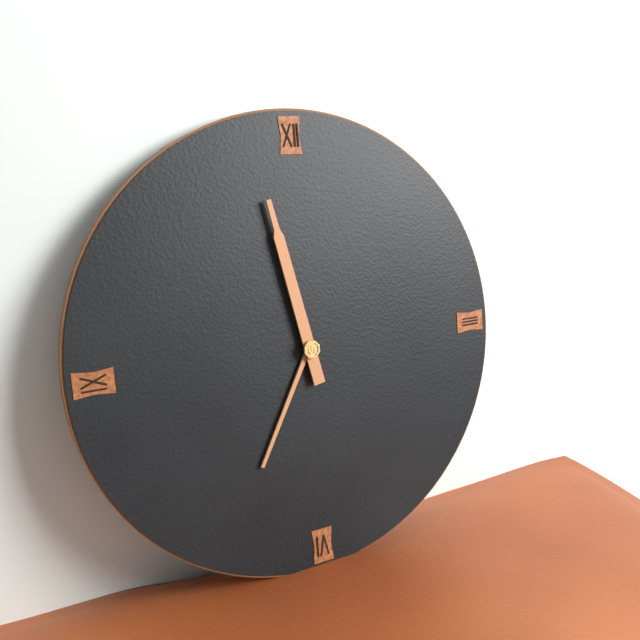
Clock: 6 h 58 min
